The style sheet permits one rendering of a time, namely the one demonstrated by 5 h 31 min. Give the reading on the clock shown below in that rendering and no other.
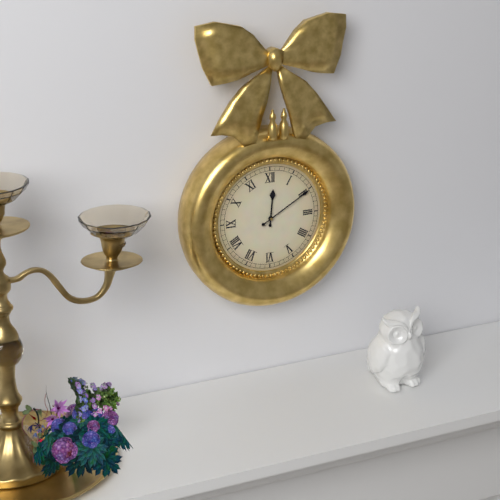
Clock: 12 h 10 min
